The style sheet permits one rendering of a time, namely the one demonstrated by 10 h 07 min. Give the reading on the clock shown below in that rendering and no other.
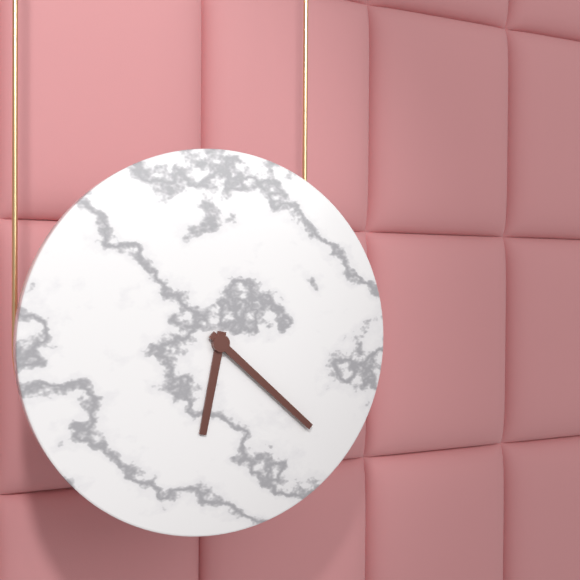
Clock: 6 h 22 min
